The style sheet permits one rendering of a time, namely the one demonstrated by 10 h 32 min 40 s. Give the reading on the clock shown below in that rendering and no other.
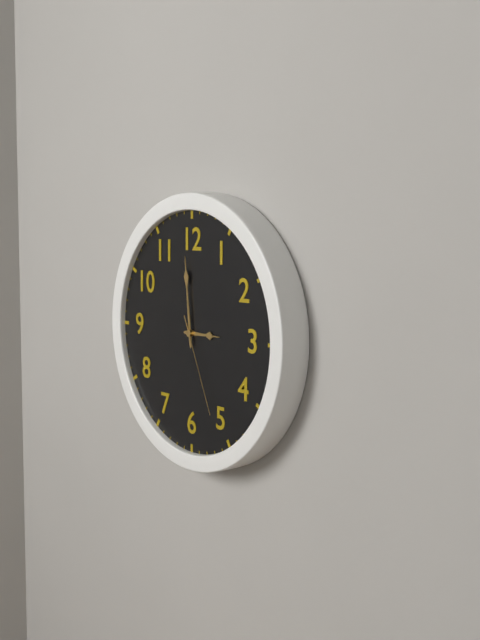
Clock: 2 h 59 min 26 s
